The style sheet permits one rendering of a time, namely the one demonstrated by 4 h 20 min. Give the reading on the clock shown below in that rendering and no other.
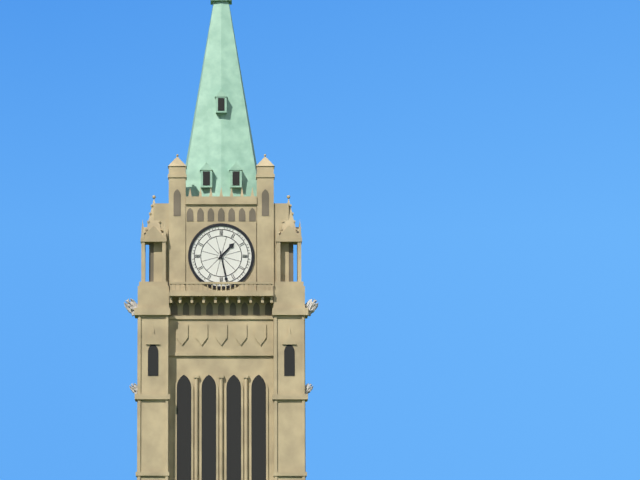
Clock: 1 h 28 min
